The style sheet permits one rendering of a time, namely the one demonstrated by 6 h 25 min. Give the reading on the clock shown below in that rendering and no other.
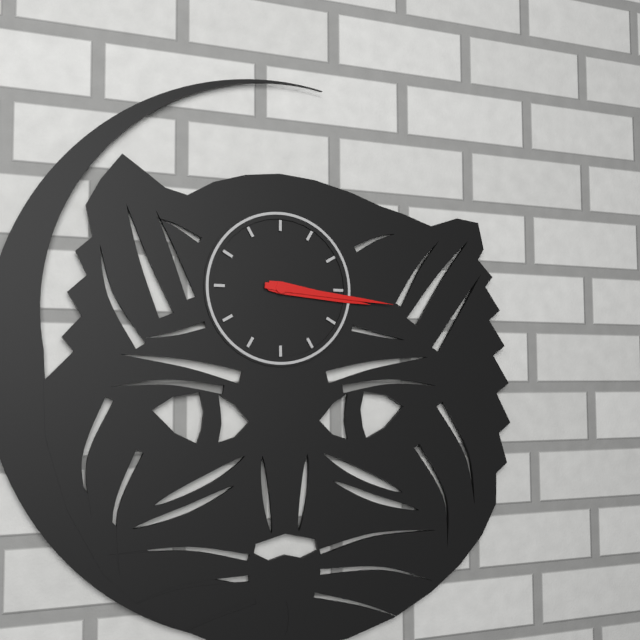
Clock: 3 h 16 min
